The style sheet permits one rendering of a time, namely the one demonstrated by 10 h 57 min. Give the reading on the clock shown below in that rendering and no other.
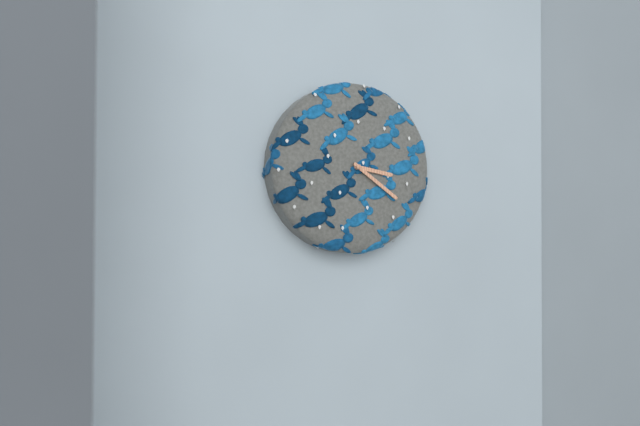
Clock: 3 h 21 min
